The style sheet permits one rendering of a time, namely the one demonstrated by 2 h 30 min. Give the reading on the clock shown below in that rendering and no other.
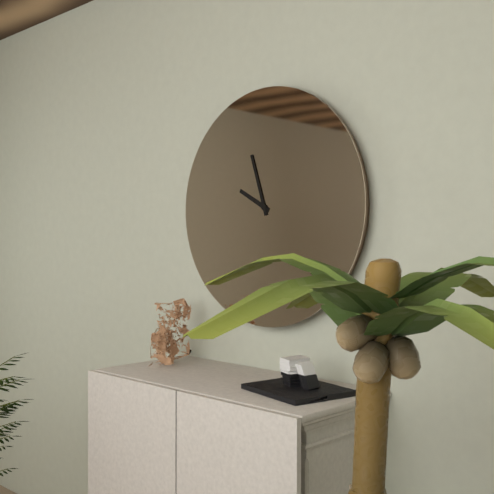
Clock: 9 h 57 min
